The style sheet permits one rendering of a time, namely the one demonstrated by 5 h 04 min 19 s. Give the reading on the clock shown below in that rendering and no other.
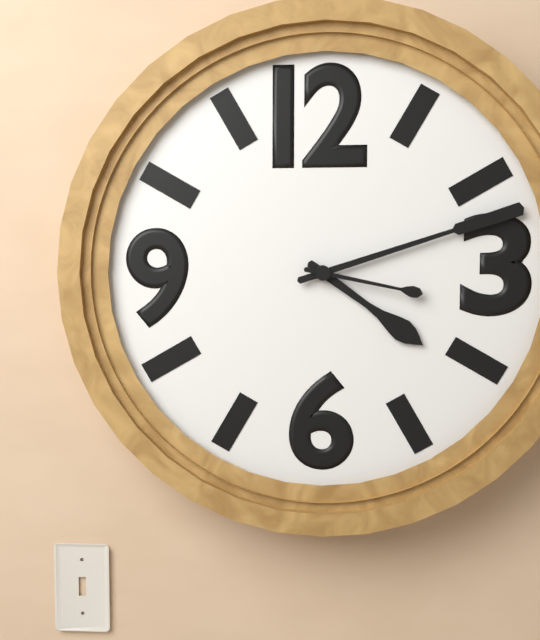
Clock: 4 h 12 min 17 s
